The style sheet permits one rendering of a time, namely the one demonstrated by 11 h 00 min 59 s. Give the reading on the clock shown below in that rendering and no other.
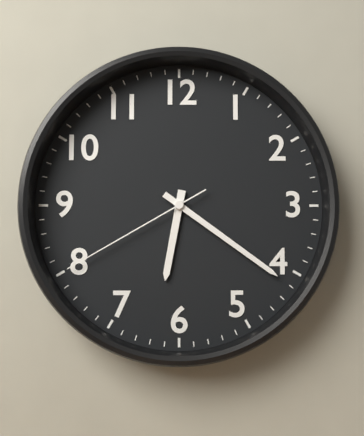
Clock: 6 h 21 min 40 s
